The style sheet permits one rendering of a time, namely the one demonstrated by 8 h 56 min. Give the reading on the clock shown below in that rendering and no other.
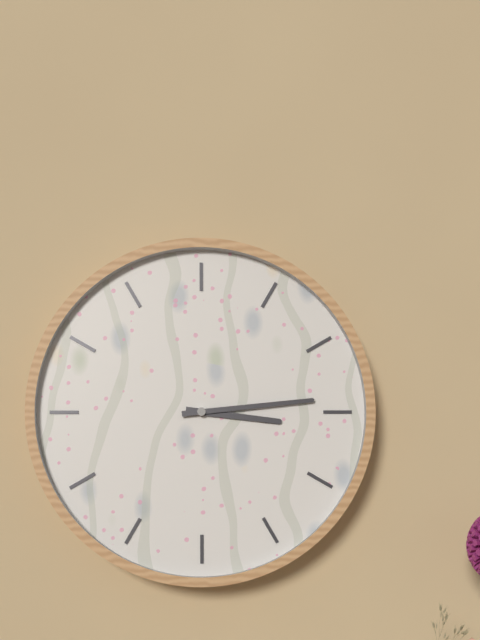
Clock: 3 h 14 min
